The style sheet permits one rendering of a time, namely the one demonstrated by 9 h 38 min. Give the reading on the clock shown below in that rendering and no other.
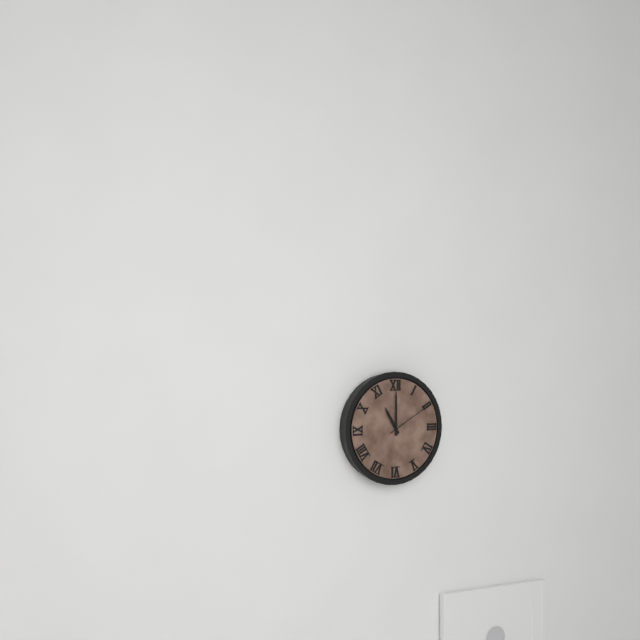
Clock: 11 h 00 min
